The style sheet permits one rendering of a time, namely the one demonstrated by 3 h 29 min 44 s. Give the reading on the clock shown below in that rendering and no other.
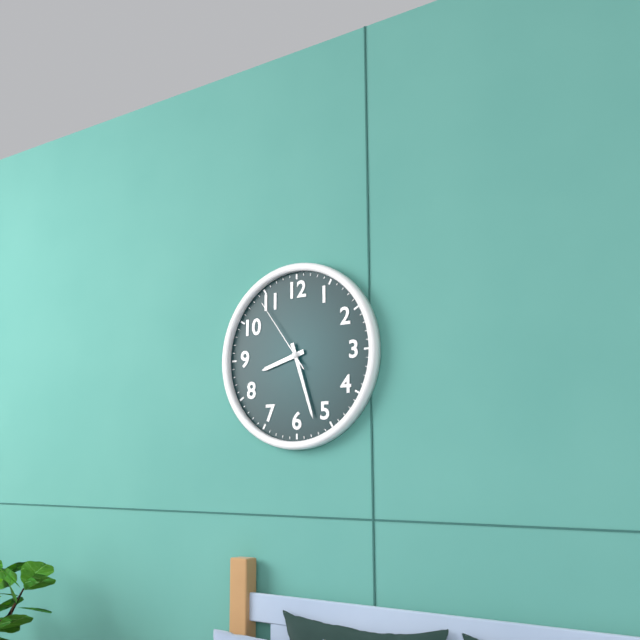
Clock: 8 h 27 min 54 s
